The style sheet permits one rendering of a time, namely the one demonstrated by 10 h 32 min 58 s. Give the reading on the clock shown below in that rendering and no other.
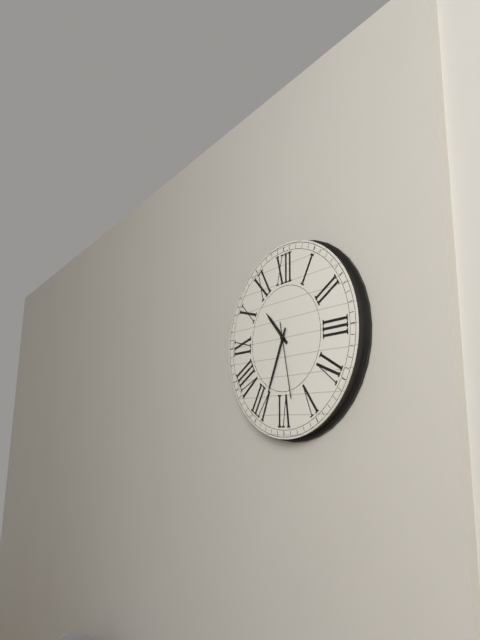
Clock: 10 h 34 min 28 s
